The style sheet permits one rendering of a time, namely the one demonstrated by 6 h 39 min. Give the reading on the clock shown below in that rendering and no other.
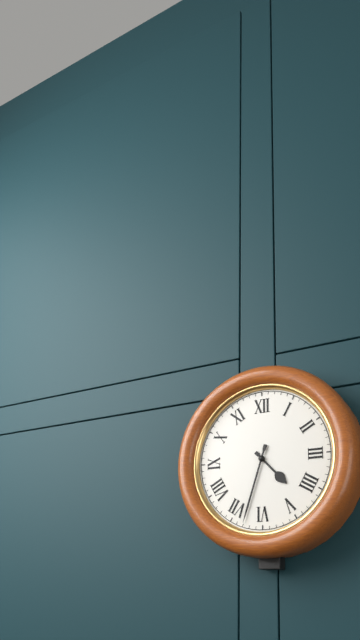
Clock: 4 h 33 min
